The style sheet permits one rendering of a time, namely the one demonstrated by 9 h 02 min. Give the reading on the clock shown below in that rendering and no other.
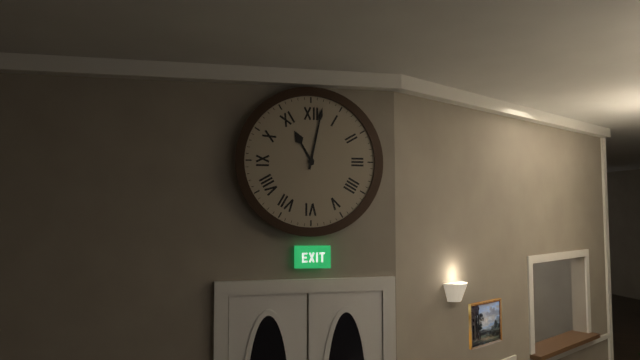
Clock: 11 h 02 min
